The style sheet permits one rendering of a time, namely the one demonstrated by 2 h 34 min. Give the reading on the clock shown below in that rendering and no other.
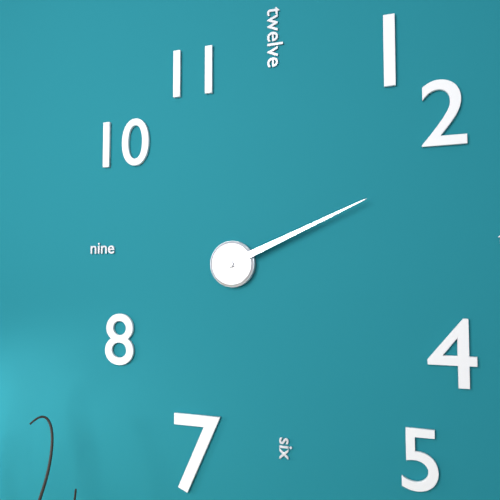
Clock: 2 h 11 min
